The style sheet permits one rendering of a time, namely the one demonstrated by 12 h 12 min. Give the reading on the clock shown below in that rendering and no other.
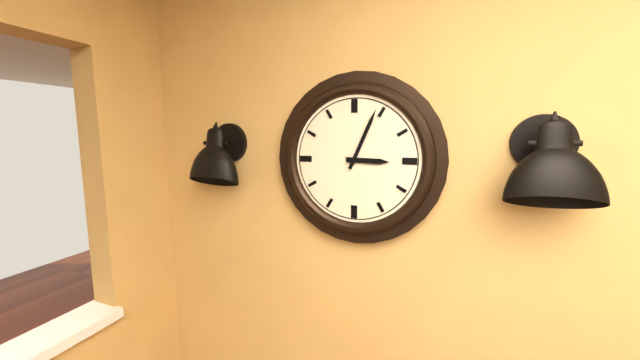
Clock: 3 h 04 min
